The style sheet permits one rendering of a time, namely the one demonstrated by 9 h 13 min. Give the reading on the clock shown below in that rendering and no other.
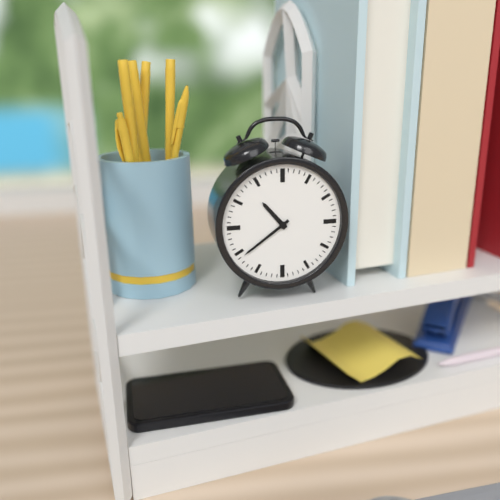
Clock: 10 h 39 min
